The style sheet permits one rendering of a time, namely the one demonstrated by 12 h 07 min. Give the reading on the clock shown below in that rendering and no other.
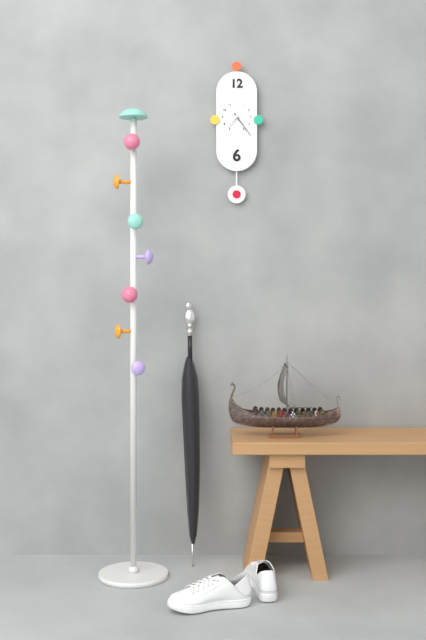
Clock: 7 h 24 min
